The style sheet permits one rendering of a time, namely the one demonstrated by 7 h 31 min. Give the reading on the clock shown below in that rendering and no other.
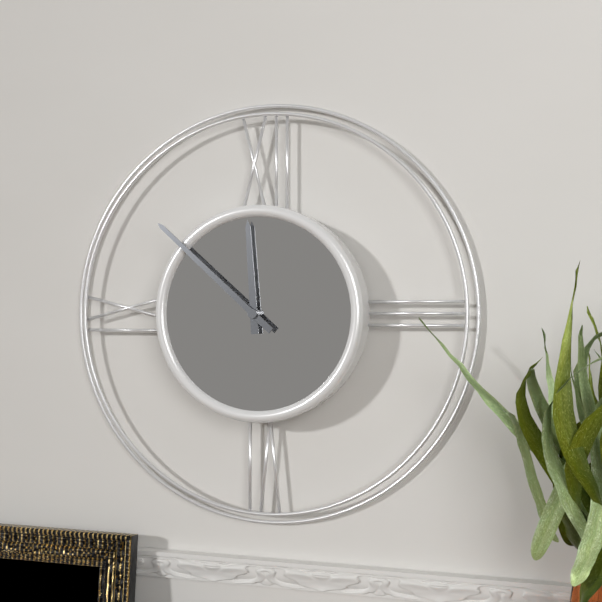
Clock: 11 h 52 min
